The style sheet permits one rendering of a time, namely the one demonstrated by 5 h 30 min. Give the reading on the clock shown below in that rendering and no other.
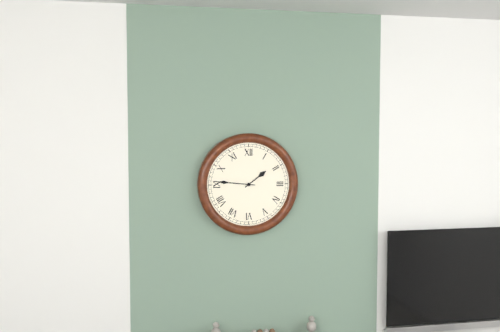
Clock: 1 h 46 min
